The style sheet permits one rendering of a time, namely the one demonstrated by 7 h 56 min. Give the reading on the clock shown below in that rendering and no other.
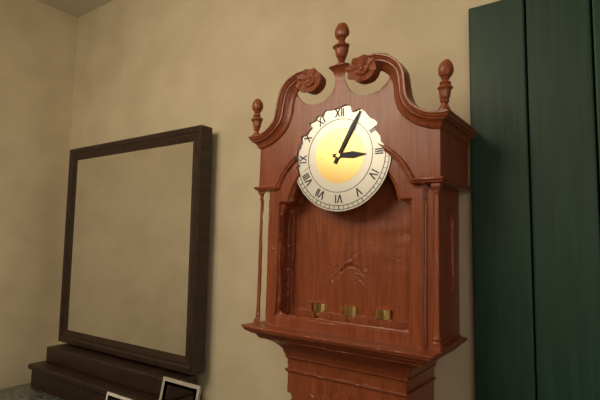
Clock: 3 h 05 min
